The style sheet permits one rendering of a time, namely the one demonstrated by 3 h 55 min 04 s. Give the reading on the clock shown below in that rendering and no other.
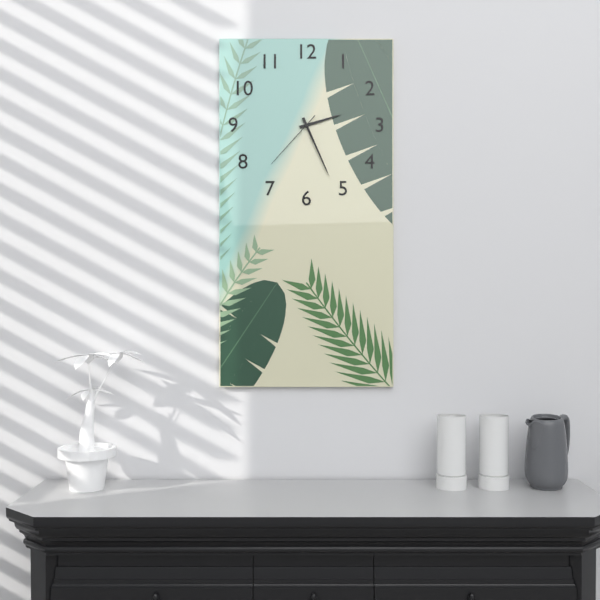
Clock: 2 h 26 min 37 s
